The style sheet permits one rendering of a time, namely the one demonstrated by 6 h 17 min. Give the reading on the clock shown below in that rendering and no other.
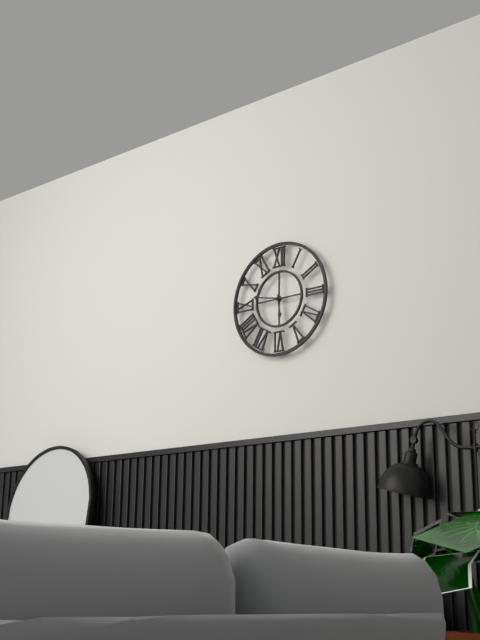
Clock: 5 h 47 min
